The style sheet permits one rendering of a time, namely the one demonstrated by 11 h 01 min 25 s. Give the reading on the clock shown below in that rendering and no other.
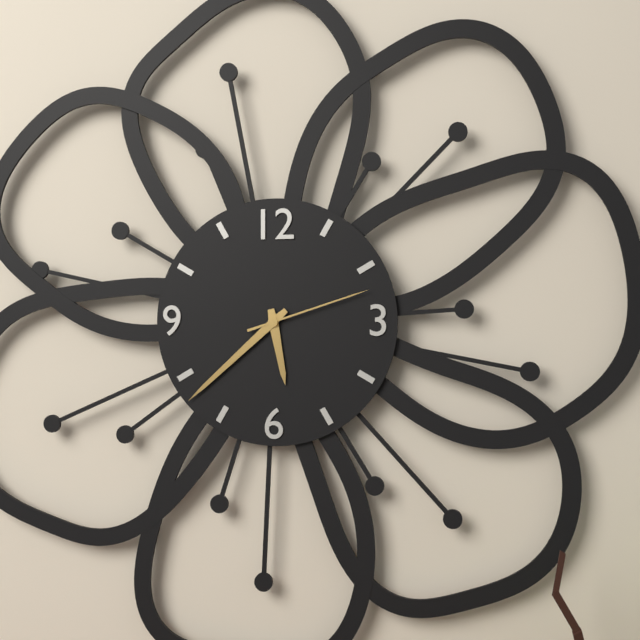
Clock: 5 h 38 min 12 s
